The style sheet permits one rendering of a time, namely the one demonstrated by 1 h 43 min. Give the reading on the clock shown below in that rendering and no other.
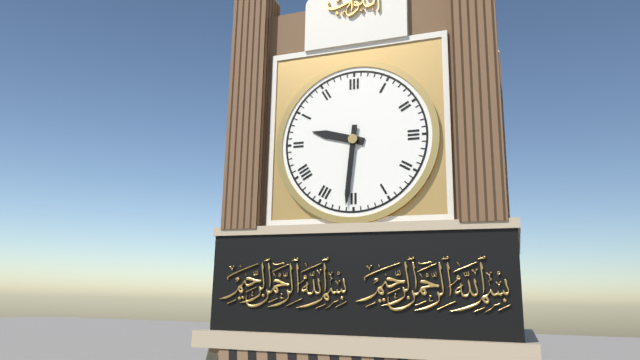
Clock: 9 h 31 min
